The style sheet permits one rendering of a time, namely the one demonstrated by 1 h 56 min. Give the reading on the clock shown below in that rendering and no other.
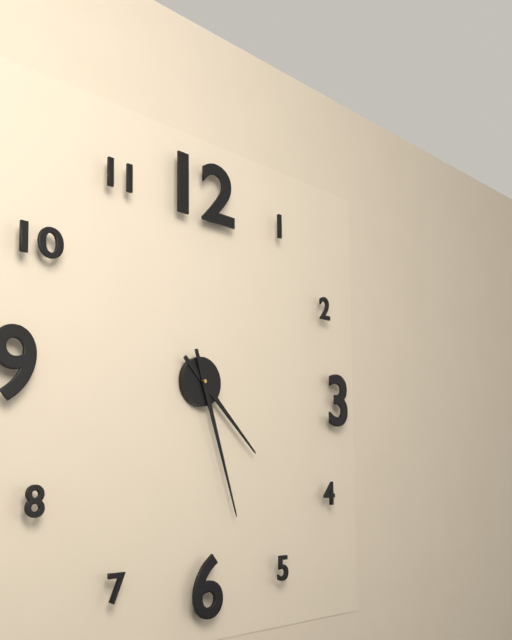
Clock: 4 h 27 min
